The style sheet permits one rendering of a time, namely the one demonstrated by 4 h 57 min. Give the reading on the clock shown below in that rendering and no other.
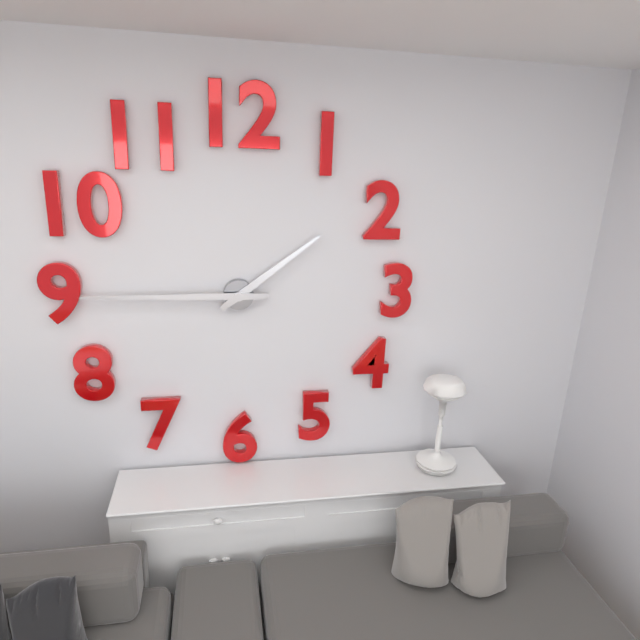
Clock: 1 h 45 min
